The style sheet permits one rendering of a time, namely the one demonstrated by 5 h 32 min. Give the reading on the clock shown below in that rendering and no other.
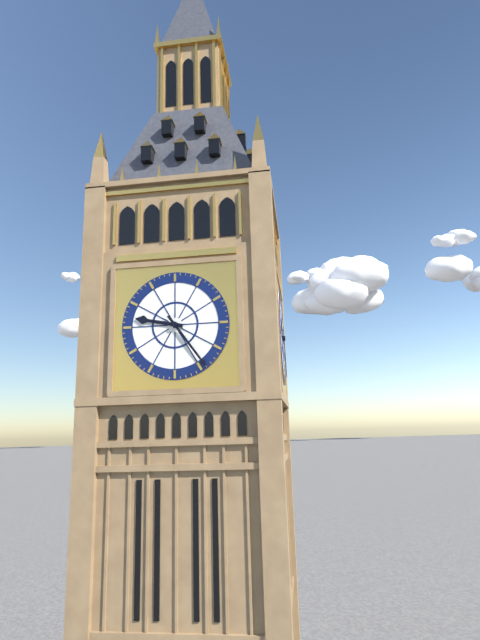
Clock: 9 h 24 min
